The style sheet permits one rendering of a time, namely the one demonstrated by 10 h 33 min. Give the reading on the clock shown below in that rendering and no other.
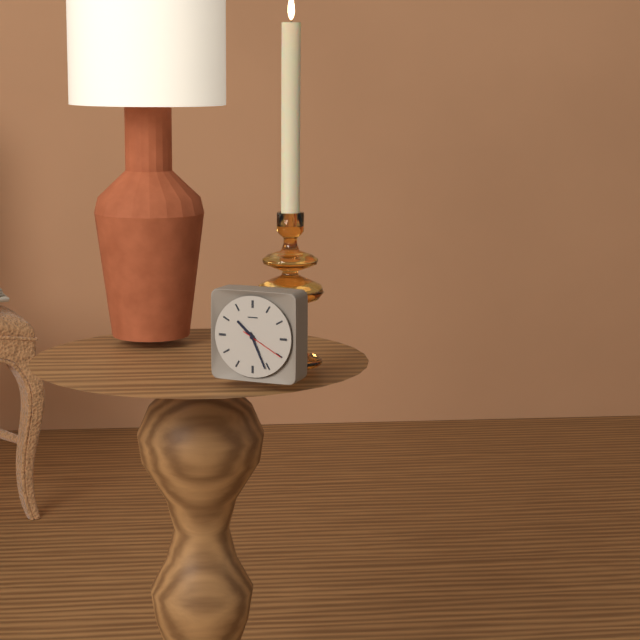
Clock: 10 h 26 min
